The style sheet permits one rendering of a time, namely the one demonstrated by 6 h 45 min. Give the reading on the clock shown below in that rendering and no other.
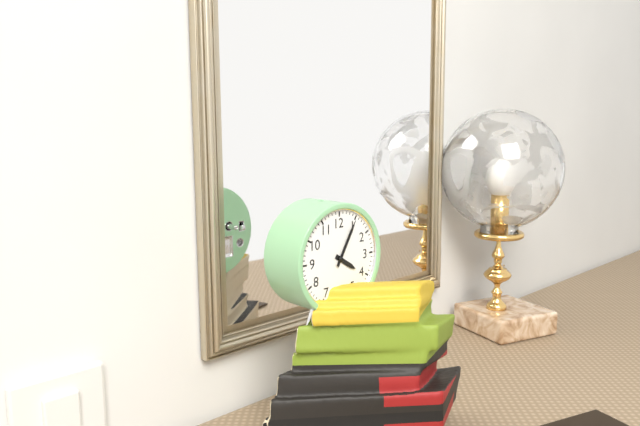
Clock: 4 h 05 min
